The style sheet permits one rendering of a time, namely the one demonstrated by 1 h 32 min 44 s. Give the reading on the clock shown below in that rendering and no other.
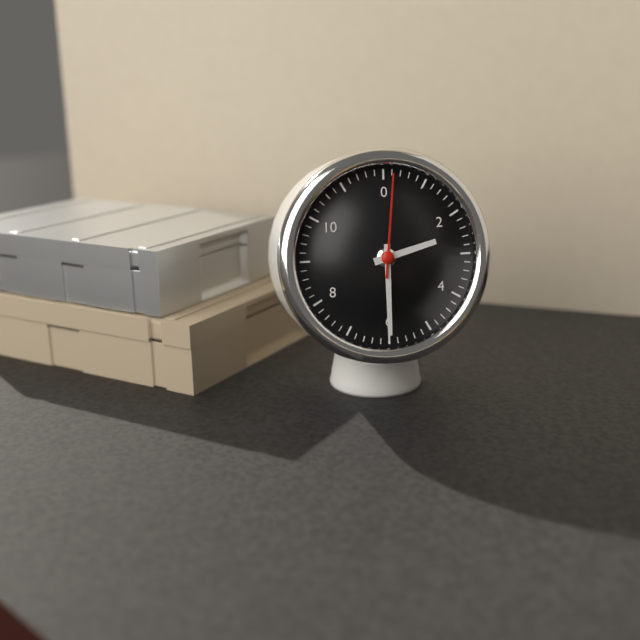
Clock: 2 h 30 min 01 s
